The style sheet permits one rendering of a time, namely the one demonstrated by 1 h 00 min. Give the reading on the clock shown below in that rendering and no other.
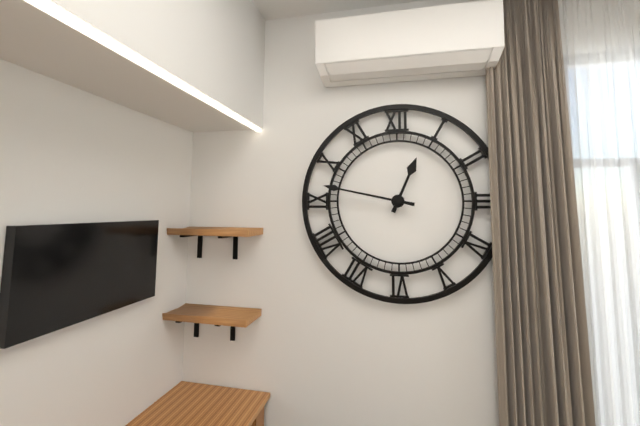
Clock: 12 h 47 min
